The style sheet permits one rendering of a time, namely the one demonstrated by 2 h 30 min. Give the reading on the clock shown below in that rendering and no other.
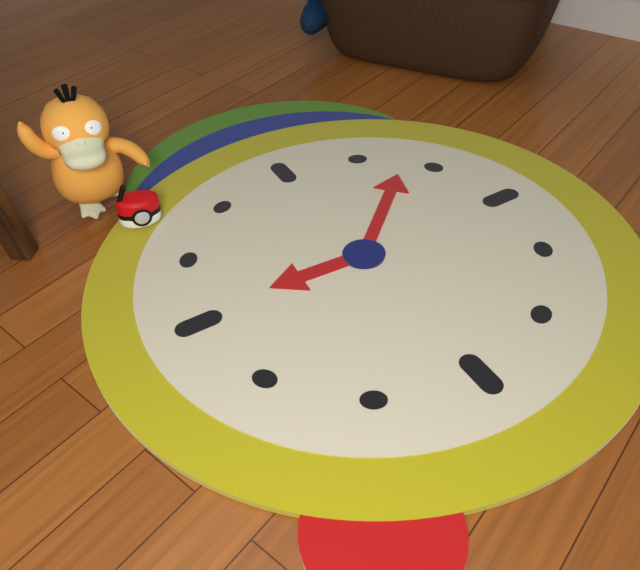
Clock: 9 h 08 min
